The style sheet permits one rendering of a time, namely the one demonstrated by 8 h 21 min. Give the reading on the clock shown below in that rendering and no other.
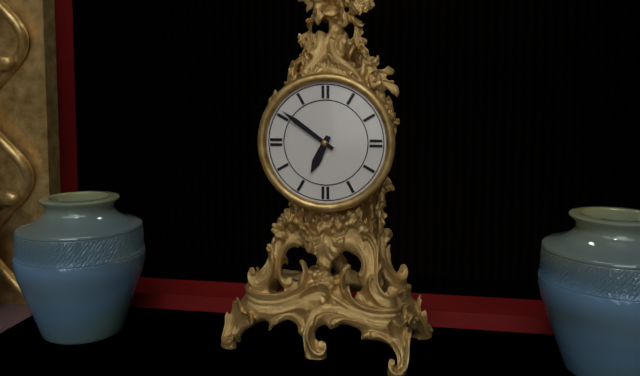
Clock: 6 h 51 min
